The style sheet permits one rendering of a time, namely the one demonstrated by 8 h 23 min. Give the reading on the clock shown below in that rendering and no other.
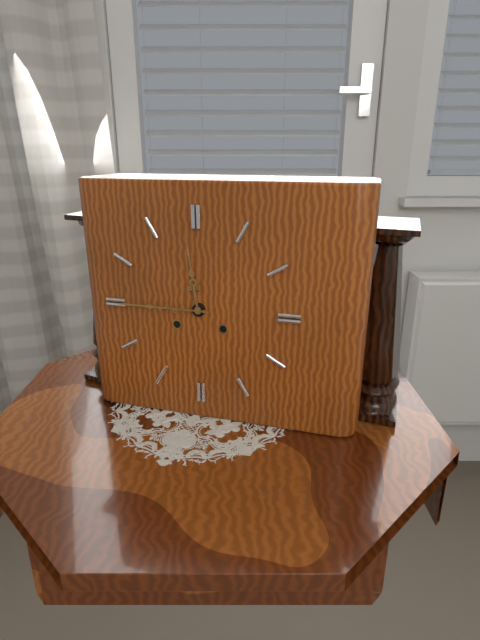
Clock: 11 h 45 min
